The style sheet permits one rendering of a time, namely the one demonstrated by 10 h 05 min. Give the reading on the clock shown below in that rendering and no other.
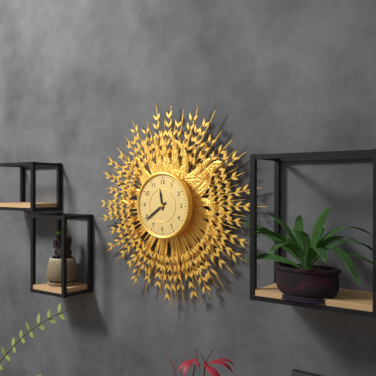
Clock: 11 h 39 min
